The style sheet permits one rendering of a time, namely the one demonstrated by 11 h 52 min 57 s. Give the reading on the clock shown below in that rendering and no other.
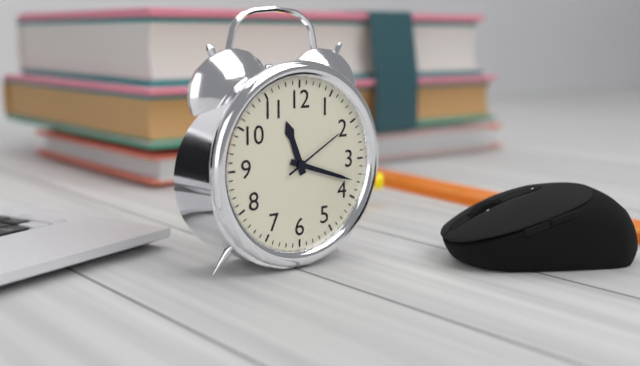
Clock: 11 h 18 min 10 s
